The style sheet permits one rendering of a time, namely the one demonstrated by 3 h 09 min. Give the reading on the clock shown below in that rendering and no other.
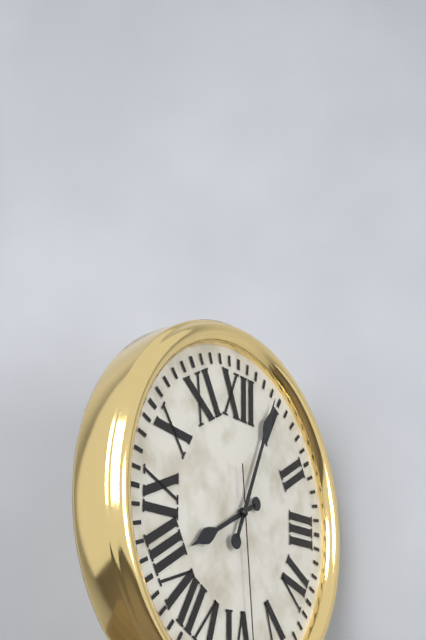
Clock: 8 h 04 min
